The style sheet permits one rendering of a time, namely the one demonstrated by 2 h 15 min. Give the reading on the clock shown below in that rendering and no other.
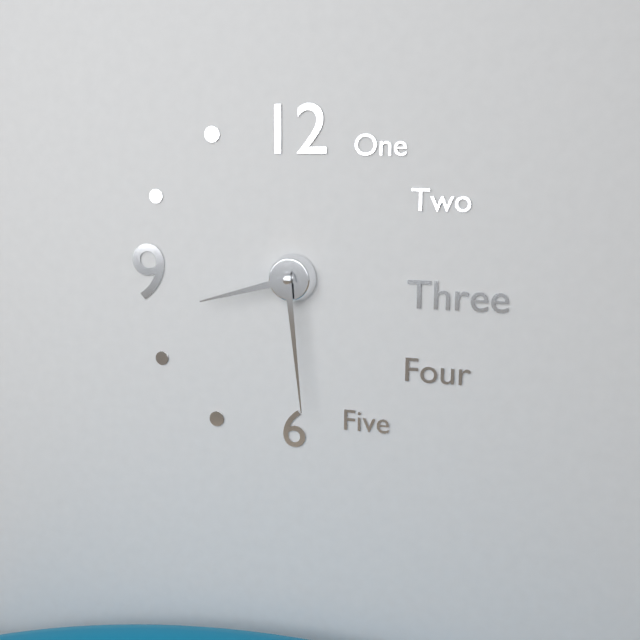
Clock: 8 h 29 min
